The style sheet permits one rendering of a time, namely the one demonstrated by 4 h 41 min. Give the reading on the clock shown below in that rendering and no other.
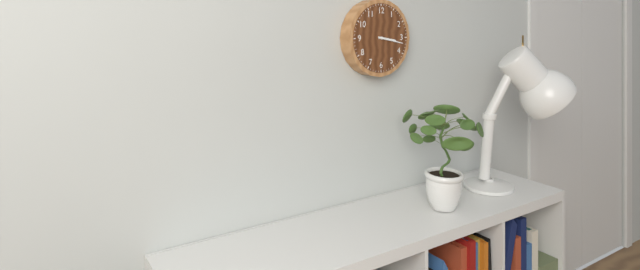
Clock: 3 h 17 min
